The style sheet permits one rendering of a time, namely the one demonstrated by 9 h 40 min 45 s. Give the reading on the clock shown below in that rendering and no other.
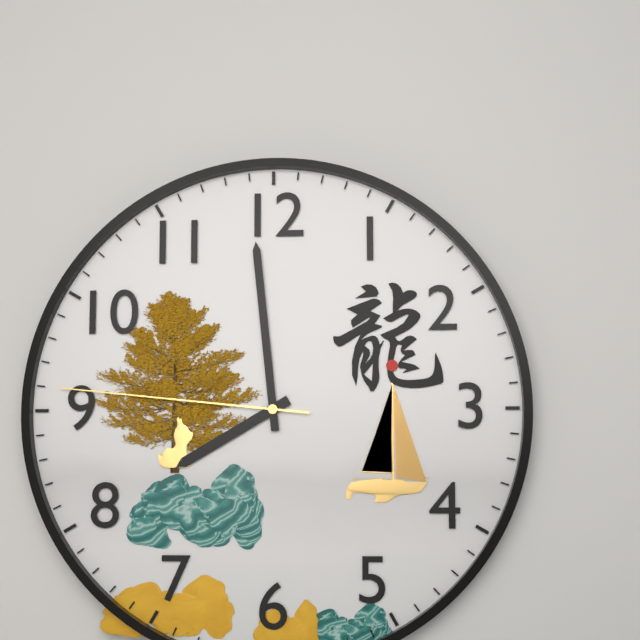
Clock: 7 h 59 min 46 s
